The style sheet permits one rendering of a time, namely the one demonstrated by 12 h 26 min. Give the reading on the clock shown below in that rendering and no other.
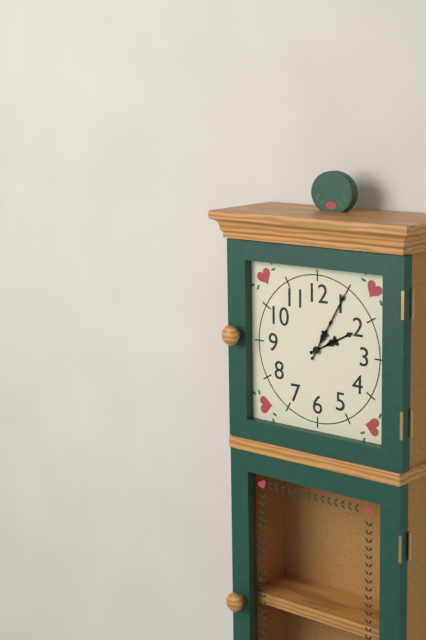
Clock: 2 h 05 min
